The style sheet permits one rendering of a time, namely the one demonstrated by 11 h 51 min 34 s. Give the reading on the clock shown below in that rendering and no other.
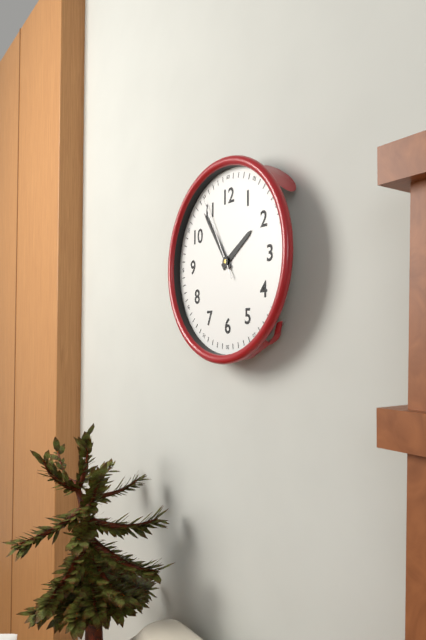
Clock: 1 h 54 min 55 s
